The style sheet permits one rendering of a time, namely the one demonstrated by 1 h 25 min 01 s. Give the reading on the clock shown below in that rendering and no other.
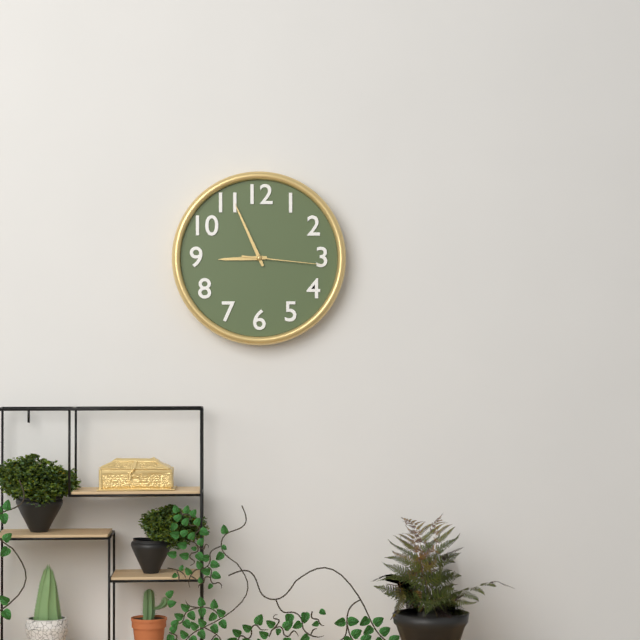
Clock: 8 h 56 min 16 s
